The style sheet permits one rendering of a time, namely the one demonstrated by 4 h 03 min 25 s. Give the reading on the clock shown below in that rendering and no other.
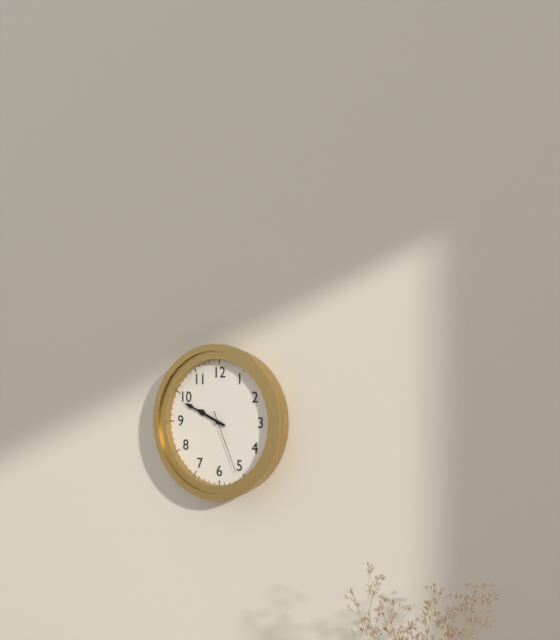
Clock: 9 h 49 min 26 s
